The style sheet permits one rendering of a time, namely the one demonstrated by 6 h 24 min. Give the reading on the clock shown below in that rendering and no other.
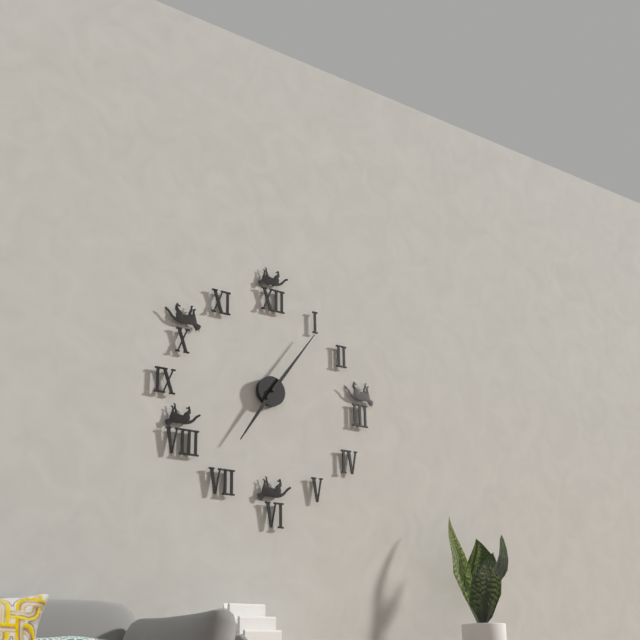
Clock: 7 h 06 min
